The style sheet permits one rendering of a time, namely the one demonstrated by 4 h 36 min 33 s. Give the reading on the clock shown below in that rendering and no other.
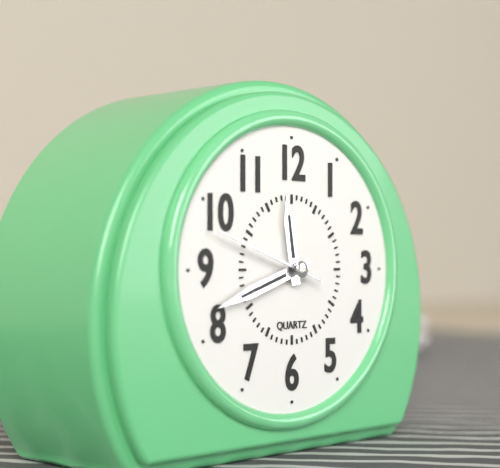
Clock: 11 h 42 min 48 s
